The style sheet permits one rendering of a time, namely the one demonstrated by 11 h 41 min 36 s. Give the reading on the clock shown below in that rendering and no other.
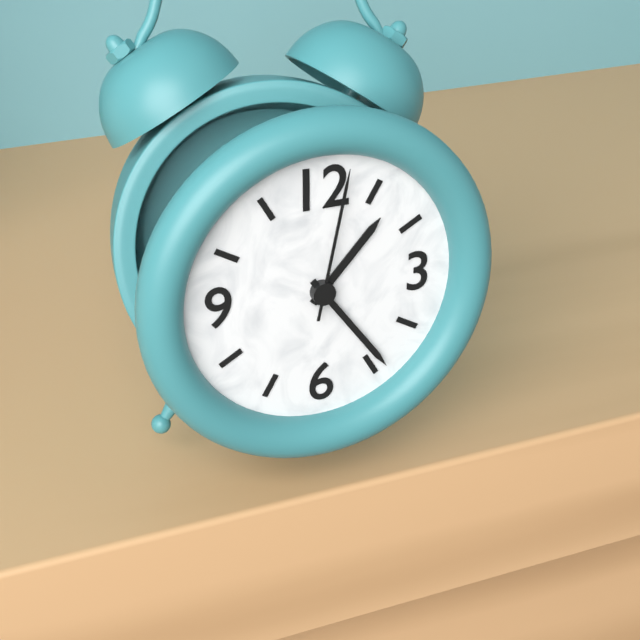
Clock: 1 h 24 min 02 s
